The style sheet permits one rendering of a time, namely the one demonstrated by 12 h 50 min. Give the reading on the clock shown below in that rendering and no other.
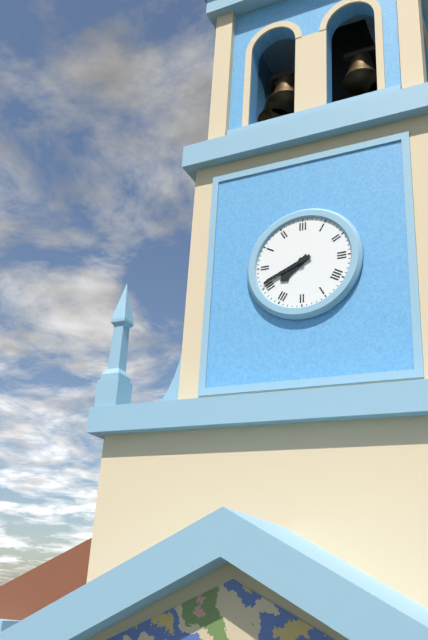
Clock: 7 h 41 min
